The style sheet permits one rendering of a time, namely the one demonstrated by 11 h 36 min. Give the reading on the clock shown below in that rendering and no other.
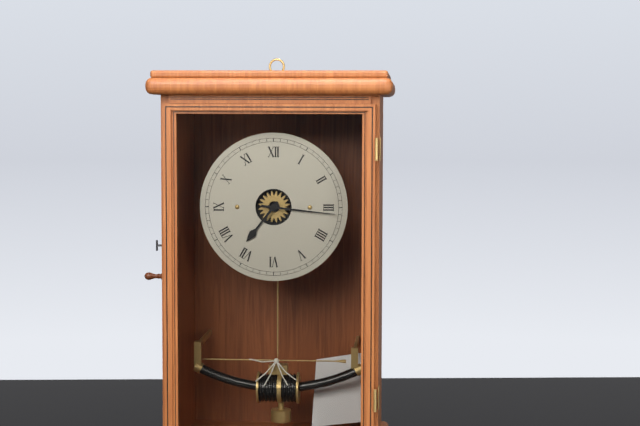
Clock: 7 h 16 min
